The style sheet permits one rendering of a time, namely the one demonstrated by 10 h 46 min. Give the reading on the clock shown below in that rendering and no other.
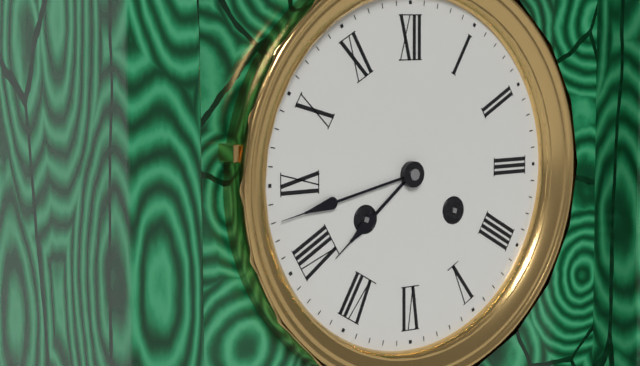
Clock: 7 h 43 min
